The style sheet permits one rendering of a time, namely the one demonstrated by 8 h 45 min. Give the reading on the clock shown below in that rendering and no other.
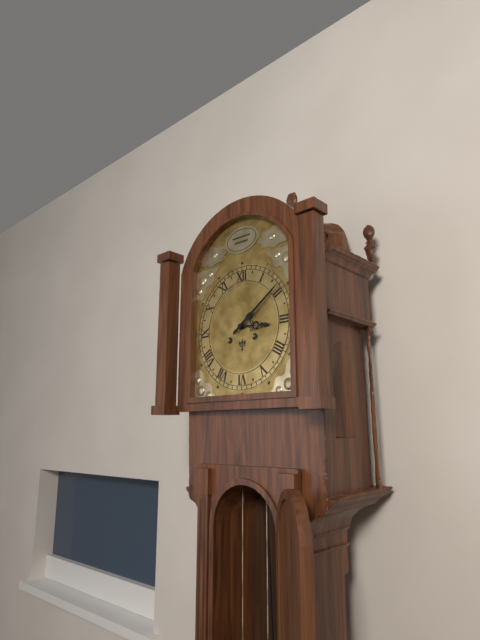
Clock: 3 h 09 min
